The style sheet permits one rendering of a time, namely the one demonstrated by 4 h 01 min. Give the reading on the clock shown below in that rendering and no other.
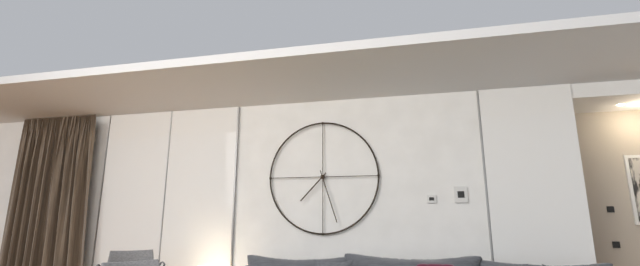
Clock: 7 h 27 min
